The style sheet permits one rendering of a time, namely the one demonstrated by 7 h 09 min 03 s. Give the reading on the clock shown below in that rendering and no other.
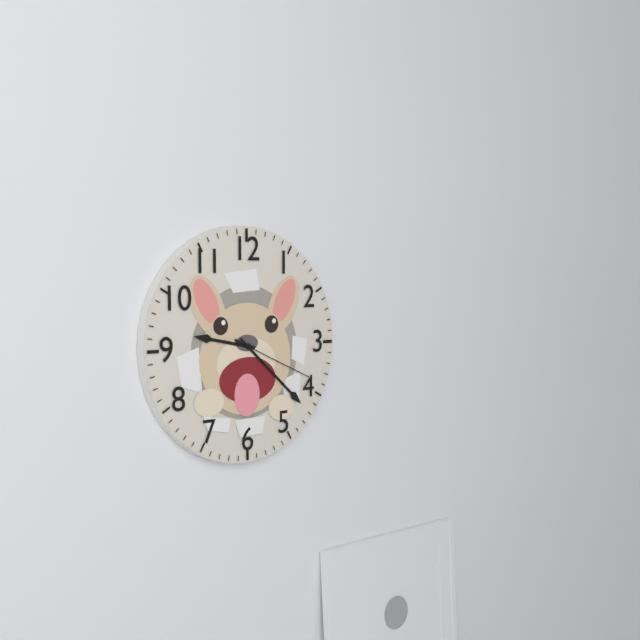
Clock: 9 h 22 min 19 s
